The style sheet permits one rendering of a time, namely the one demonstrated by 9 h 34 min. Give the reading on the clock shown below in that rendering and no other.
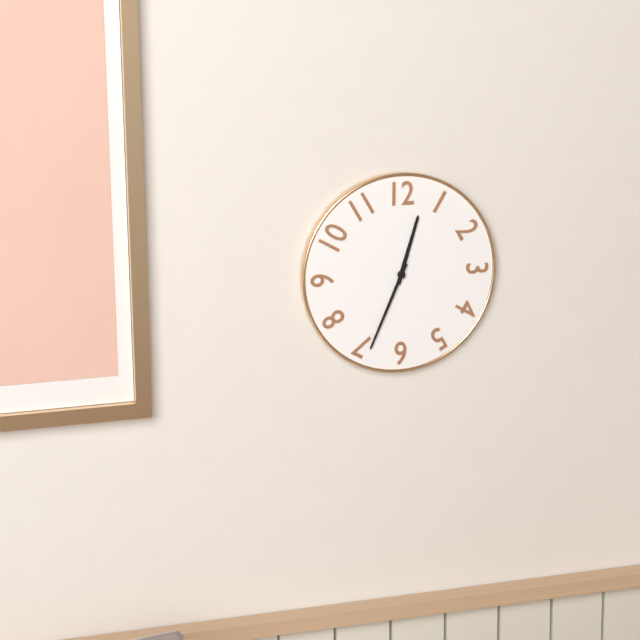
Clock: 12 h 34 min
